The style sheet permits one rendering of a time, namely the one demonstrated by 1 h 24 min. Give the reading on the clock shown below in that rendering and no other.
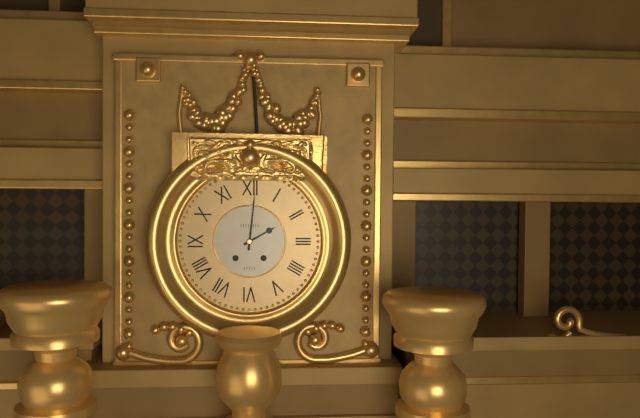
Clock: 2 h 01 min
